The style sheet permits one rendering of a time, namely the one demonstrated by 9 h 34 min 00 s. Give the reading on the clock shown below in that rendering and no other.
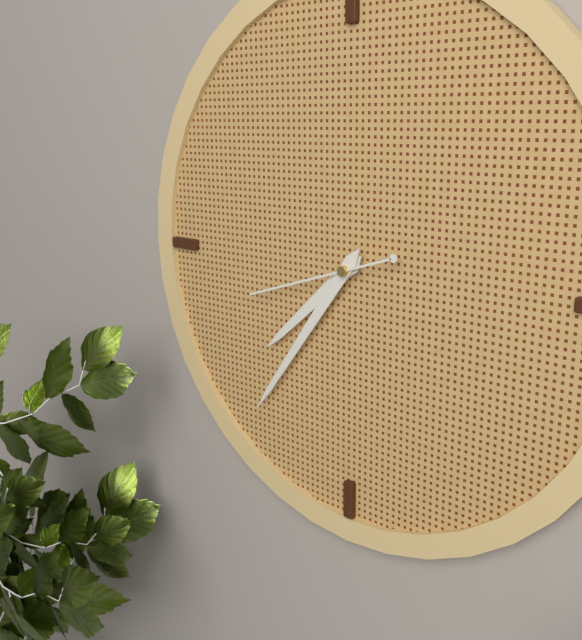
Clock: 7 h 36 min 42 s
